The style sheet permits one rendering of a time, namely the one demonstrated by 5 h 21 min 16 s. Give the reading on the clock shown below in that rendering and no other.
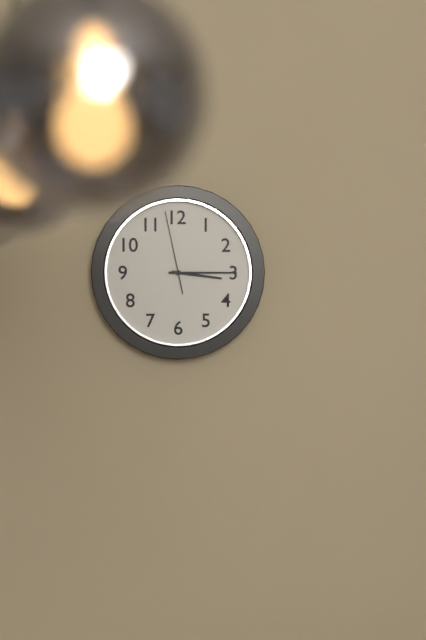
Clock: 3 h 15 min 58 s
